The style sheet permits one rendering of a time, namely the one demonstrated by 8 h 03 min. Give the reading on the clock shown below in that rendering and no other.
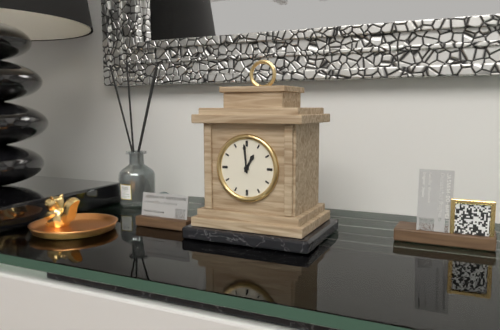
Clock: 12 h 59 min
